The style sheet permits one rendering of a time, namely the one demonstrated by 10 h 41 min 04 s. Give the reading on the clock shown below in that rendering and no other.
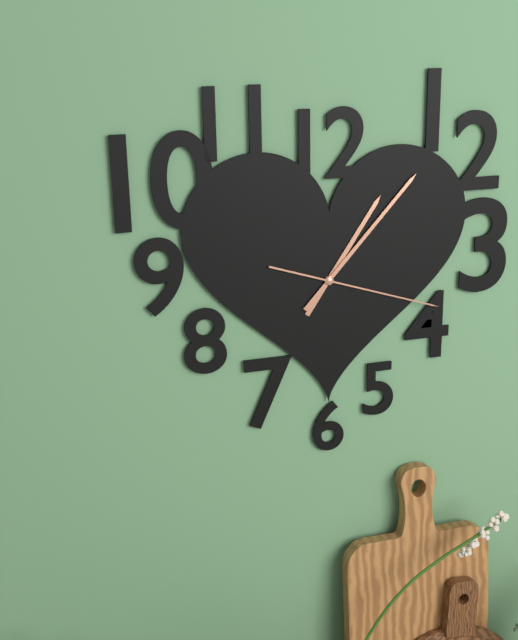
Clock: 1 h 07 min 18 s
